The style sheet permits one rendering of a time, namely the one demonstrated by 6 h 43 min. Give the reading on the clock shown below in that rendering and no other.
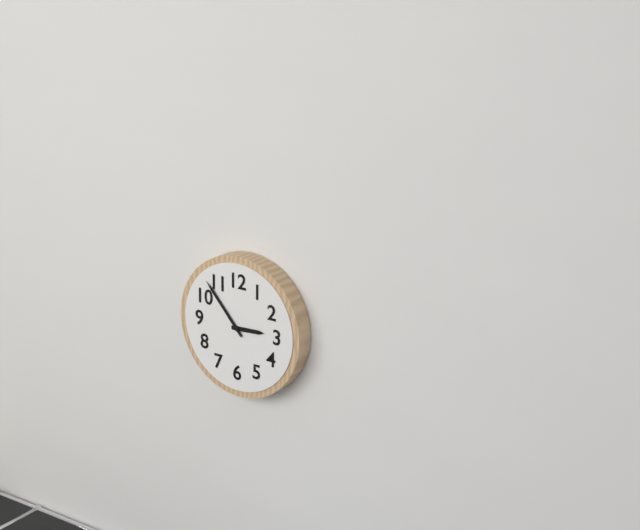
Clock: 2 h 53 min
